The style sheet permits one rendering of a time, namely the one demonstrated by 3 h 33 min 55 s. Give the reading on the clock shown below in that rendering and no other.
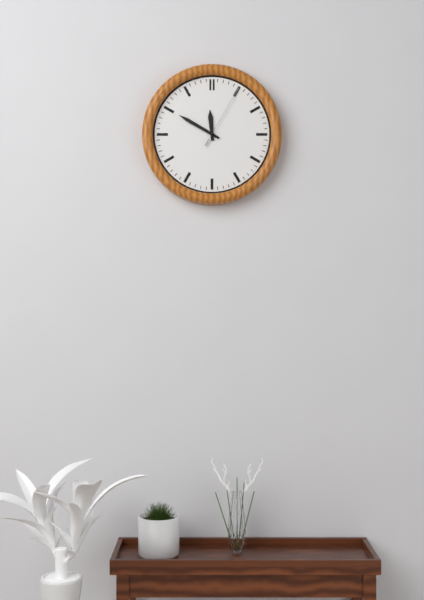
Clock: 11 h 50 min 05 s
